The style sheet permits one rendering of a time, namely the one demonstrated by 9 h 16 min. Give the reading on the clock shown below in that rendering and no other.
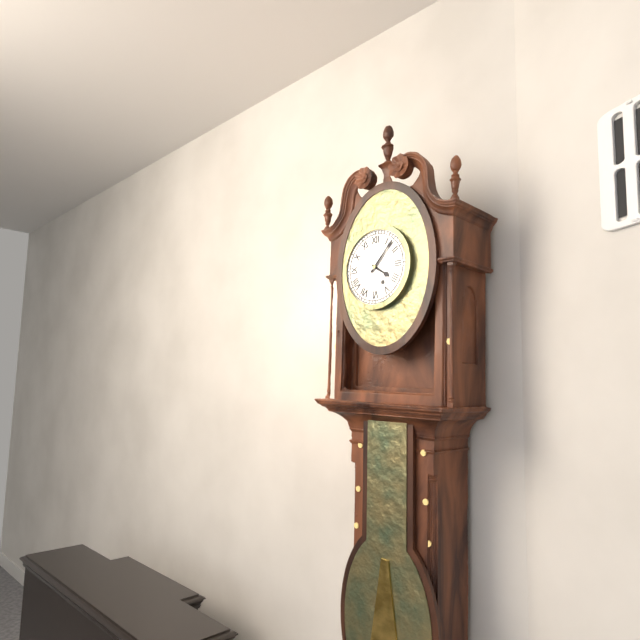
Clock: 4 h 07 min
